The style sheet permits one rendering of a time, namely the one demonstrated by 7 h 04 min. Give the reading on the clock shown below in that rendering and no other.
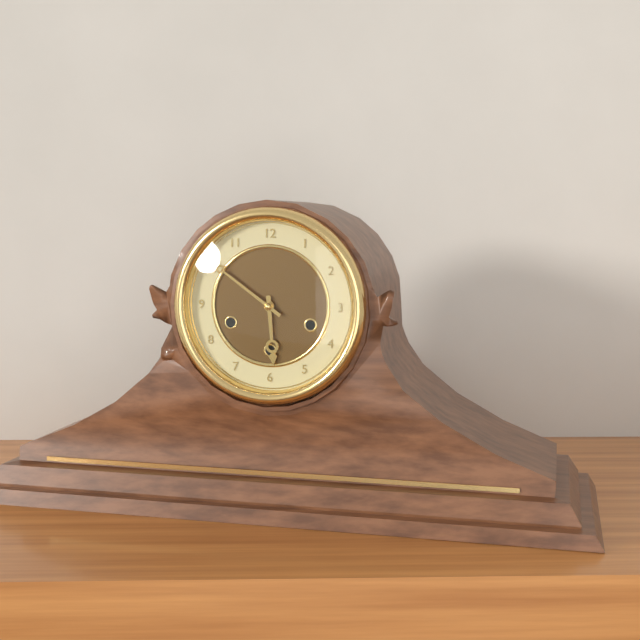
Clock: 5 h 51 min
